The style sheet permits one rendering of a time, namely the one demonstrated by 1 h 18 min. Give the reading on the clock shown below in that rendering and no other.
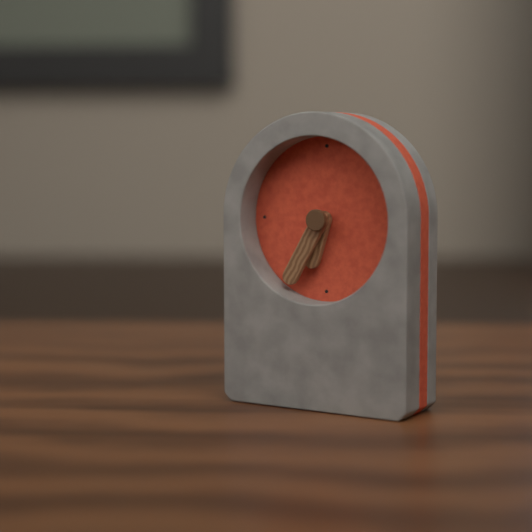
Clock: 6 h 35 min
